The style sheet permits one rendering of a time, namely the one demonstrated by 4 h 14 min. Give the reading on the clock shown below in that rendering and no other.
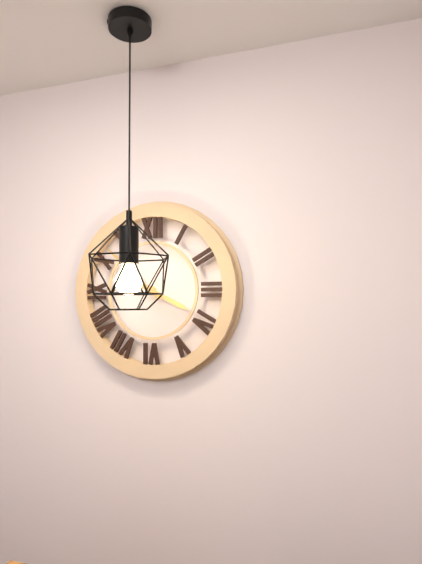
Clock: 3 h 52 min
